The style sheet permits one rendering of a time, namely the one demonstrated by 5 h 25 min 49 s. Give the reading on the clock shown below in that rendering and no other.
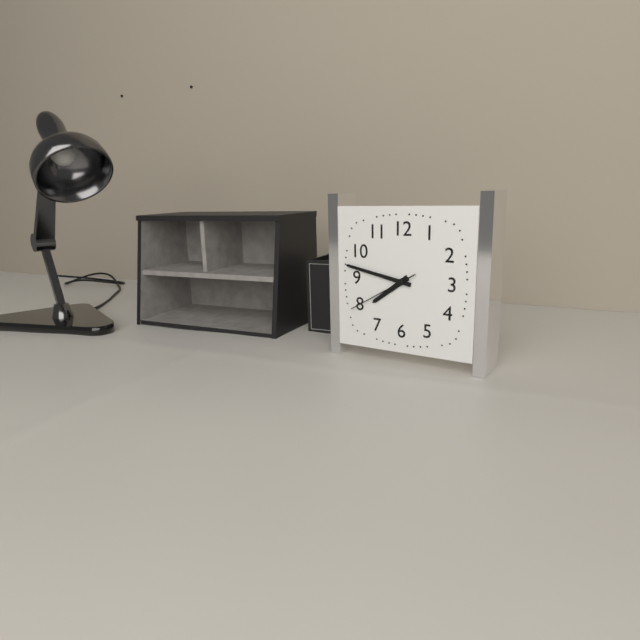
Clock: 7 h 47 min 40 s
